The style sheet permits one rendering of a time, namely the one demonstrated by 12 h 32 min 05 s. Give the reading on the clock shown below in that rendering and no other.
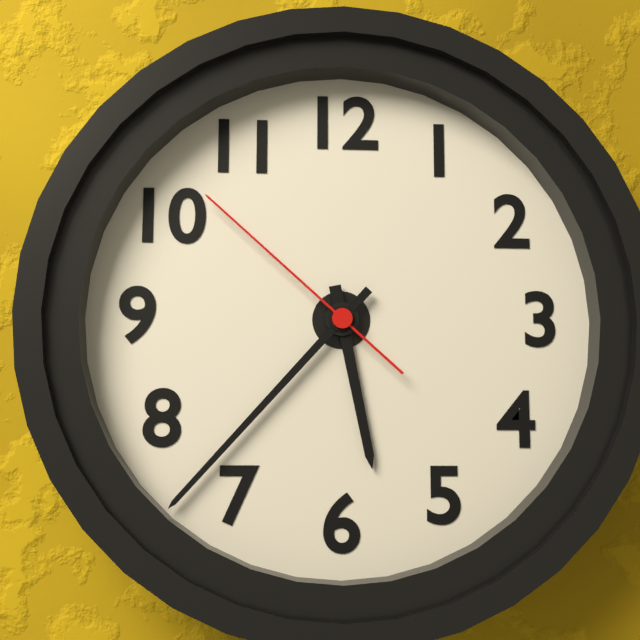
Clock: 5 h 37 min 52 s
